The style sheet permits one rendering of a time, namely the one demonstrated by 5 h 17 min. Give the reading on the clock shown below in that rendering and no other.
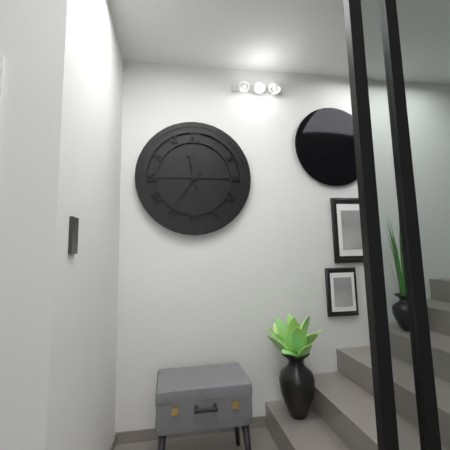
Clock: 11 h 36 min
